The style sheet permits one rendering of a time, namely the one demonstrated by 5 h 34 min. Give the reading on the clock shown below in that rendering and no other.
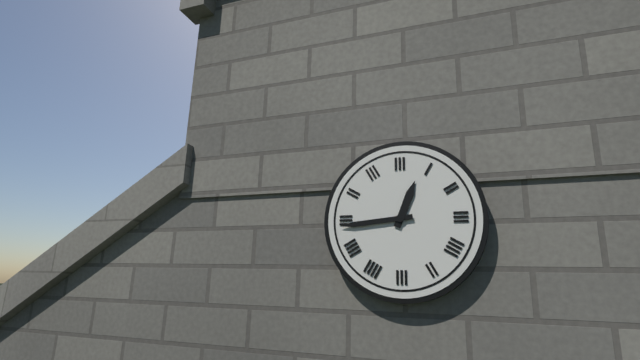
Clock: 12 h 44 min
